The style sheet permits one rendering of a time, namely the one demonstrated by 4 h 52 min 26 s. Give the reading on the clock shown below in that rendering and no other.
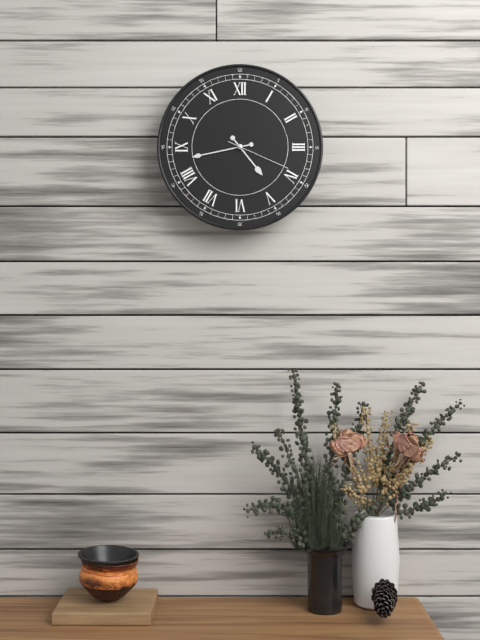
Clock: 4 h 43 min 19 s
